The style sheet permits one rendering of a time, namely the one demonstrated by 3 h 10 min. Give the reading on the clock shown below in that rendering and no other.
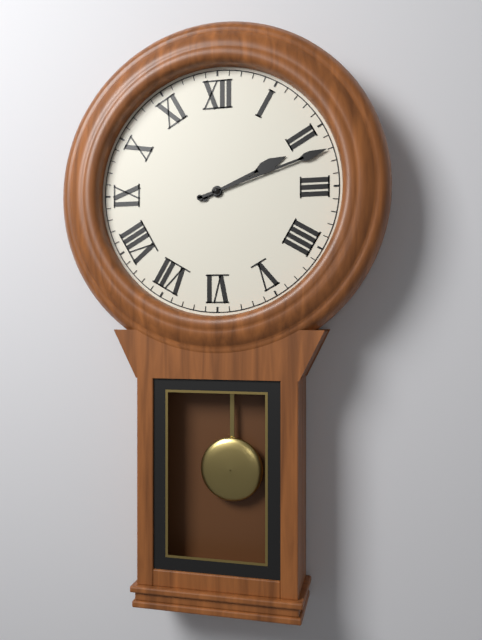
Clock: 2 h 12 min
